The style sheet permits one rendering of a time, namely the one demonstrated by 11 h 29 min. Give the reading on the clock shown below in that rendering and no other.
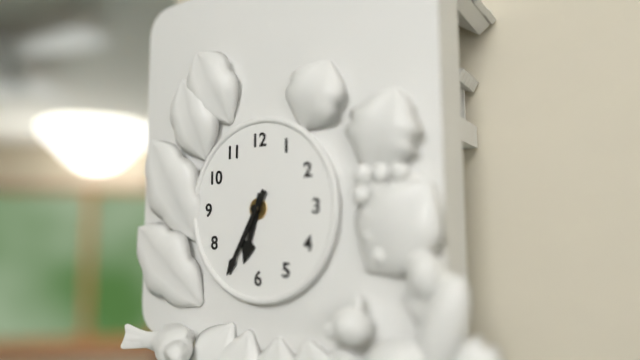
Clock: 6 h 35 min
